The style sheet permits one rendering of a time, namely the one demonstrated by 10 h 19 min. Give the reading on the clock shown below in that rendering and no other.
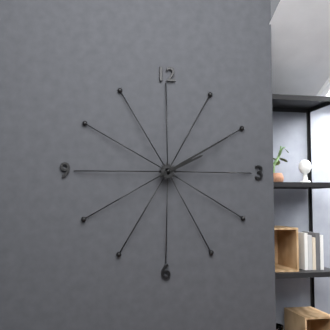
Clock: 2 h 10 min
